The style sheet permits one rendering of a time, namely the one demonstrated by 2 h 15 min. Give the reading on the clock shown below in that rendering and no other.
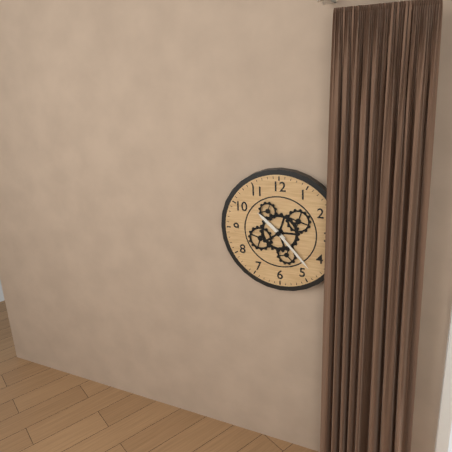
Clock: 10 h 23 min
